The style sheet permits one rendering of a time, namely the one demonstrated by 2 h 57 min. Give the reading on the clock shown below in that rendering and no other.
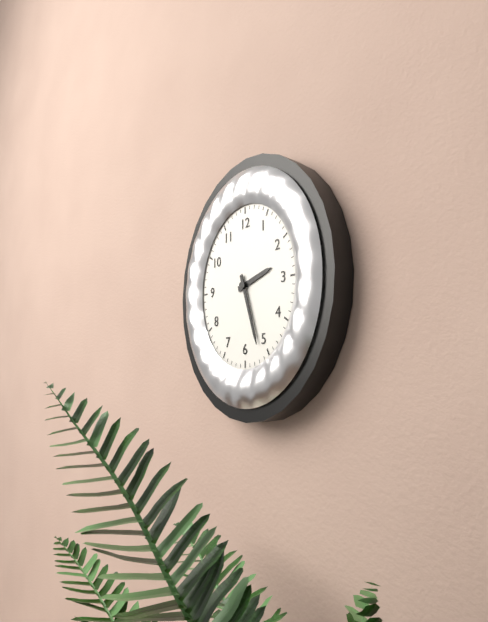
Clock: 2 h 27 min
